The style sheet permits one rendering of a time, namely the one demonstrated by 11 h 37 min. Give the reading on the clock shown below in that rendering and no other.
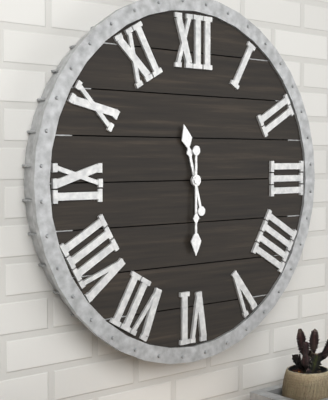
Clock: 11 h 30 min
